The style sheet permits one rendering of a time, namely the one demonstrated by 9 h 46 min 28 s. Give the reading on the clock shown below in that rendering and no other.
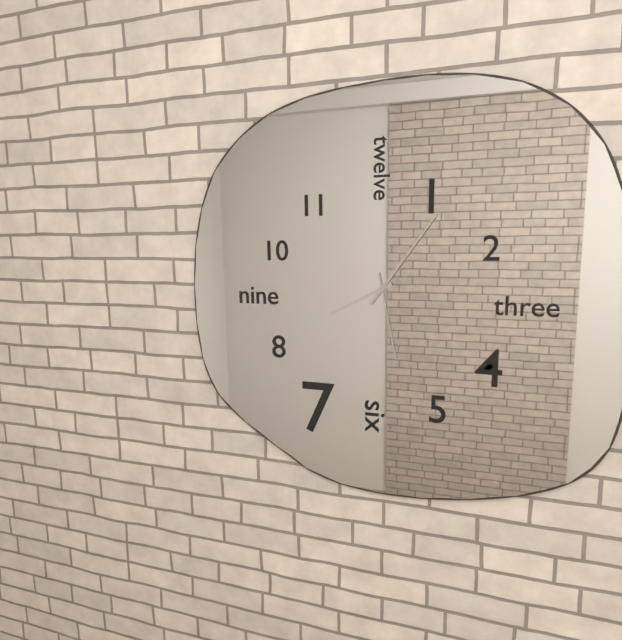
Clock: 8 h 06 min 28 s
